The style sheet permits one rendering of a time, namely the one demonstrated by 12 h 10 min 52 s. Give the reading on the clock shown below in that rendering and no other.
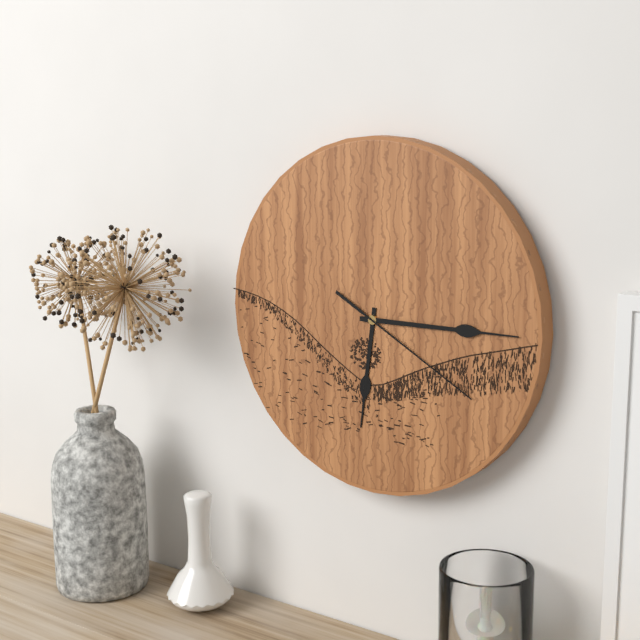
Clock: 6 h 15 min 20 s
